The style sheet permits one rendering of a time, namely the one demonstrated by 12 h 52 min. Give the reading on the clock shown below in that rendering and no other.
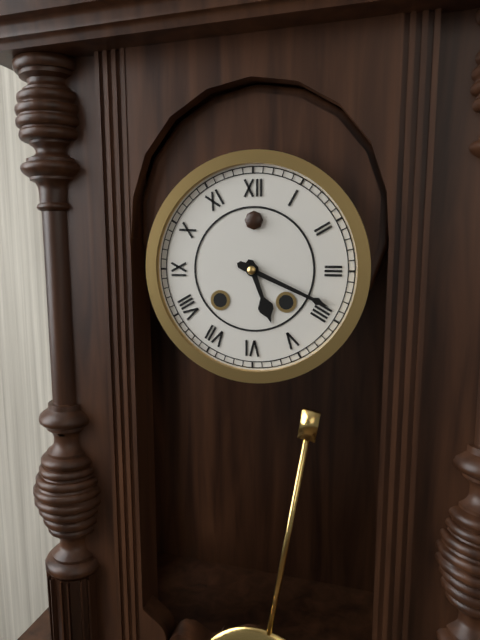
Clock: 5 h 19 min
